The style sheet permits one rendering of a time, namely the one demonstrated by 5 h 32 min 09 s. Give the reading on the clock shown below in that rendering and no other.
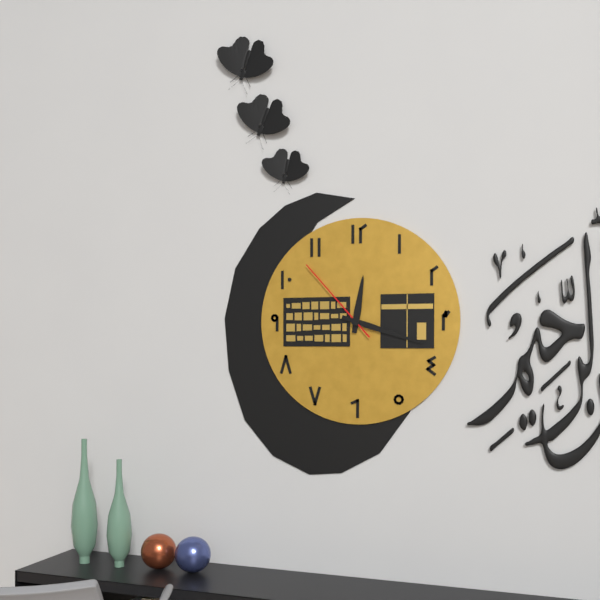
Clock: 12 h 18 min 53 s
